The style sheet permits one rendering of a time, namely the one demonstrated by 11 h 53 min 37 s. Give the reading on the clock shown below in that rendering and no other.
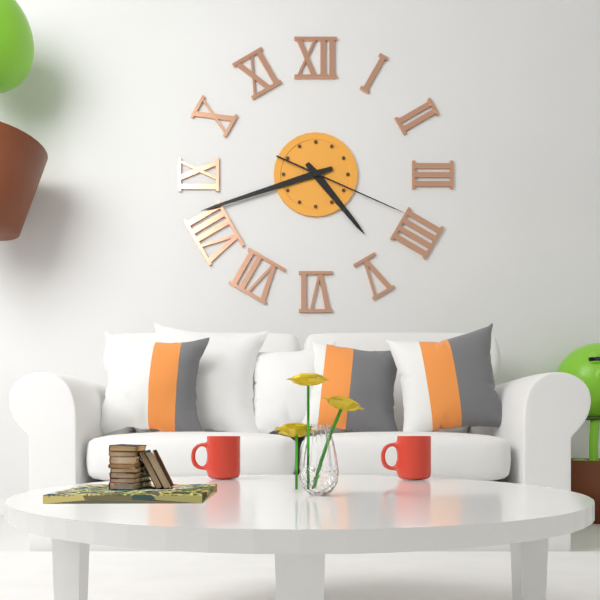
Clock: 4 h 42 min 19 s
